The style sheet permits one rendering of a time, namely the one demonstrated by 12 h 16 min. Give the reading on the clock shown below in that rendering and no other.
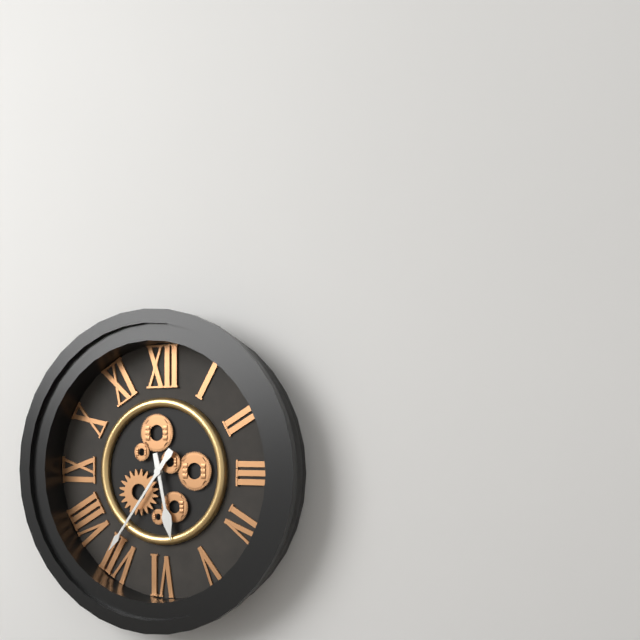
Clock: 5 h 36 min
